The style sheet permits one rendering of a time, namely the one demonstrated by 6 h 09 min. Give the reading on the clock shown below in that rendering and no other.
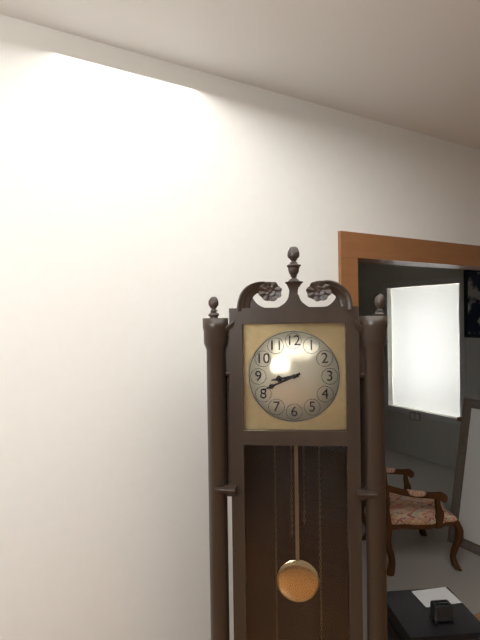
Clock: 8 h 41 min
